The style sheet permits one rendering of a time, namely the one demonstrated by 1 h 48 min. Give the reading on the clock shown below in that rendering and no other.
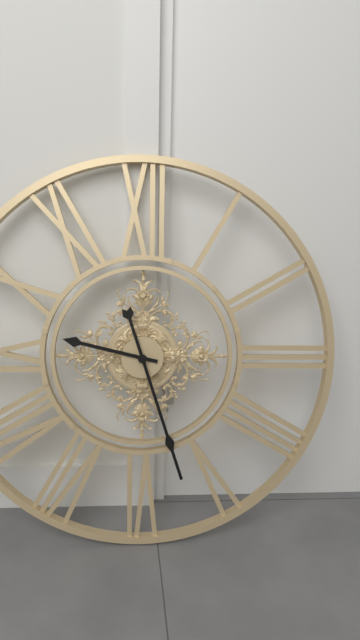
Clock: 9 h 27 min
